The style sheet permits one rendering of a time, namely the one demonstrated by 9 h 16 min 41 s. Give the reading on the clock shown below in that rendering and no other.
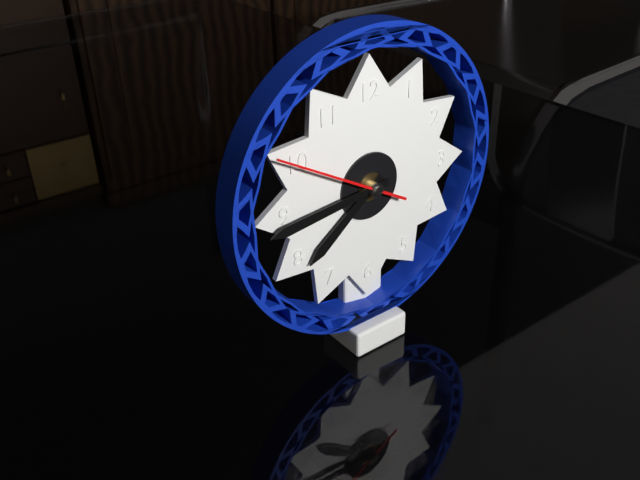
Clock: 7 h 44 min 50 s
